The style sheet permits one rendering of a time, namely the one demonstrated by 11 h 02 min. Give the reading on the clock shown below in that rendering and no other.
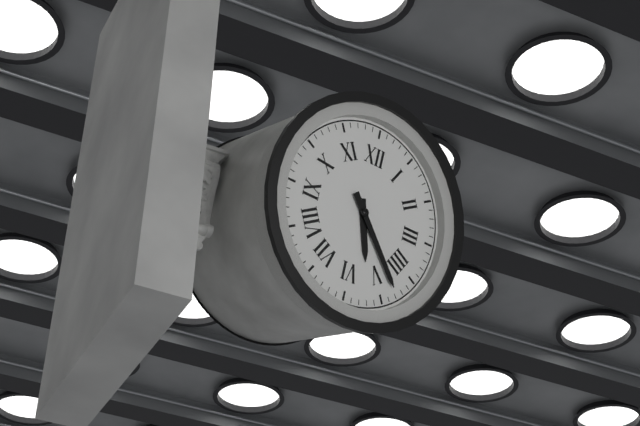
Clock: 5 h 23 min
